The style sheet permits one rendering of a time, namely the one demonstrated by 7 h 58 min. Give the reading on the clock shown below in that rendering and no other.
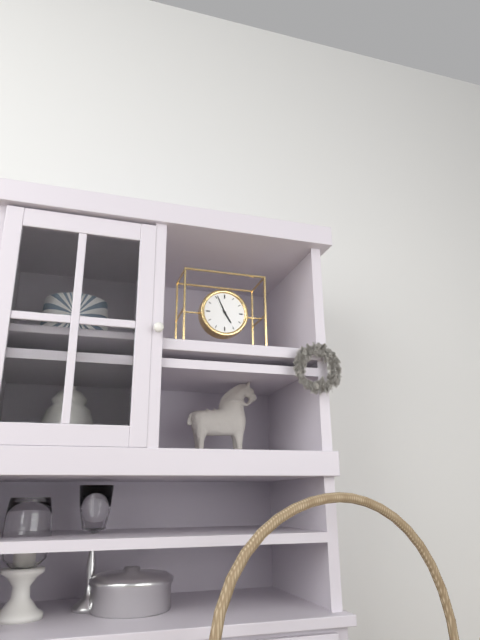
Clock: 4 h 56 min
